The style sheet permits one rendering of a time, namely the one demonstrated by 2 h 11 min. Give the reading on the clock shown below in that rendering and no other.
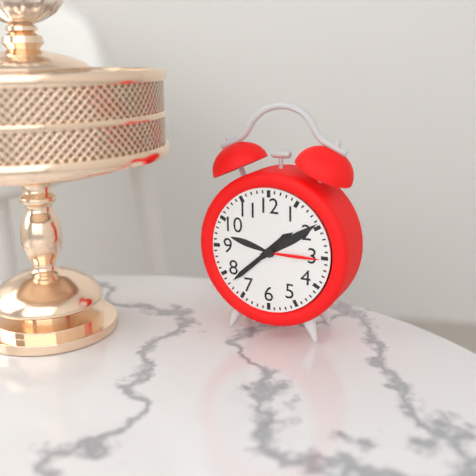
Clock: 1 h 38 min
